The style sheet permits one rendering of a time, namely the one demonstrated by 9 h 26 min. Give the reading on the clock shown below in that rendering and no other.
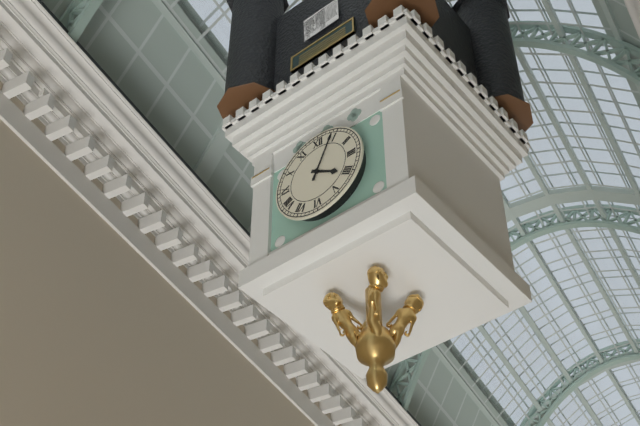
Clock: 4 h 04 min
